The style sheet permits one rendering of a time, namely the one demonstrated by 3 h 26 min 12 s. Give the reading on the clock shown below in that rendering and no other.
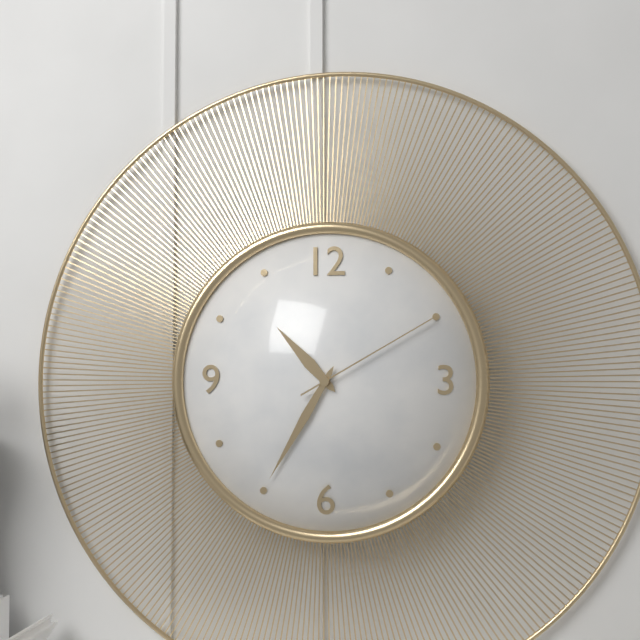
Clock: 10 h 35 min 10 s
